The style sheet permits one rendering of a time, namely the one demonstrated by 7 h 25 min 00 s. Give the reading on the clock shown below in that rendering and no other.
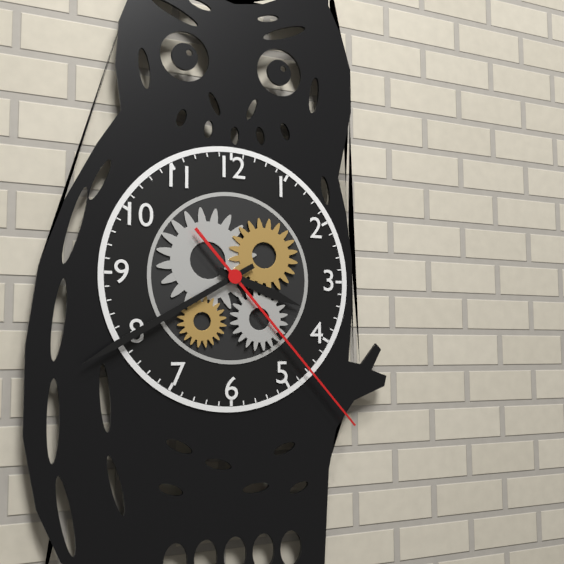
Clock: 3 h 40 min 23 s
